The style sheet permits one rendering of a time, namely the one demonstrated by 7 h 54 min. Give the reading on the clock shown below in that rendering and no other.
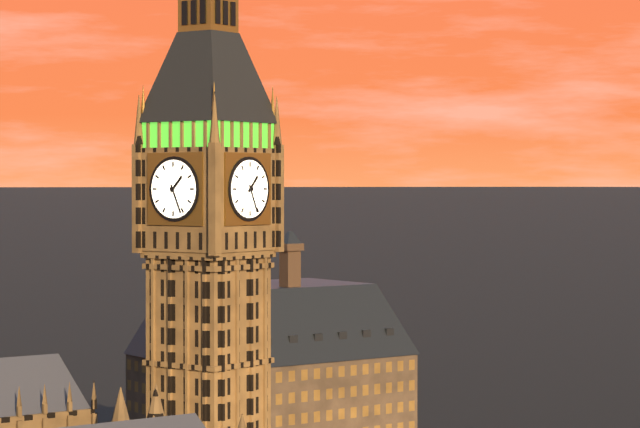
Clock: 1 h 26 min
